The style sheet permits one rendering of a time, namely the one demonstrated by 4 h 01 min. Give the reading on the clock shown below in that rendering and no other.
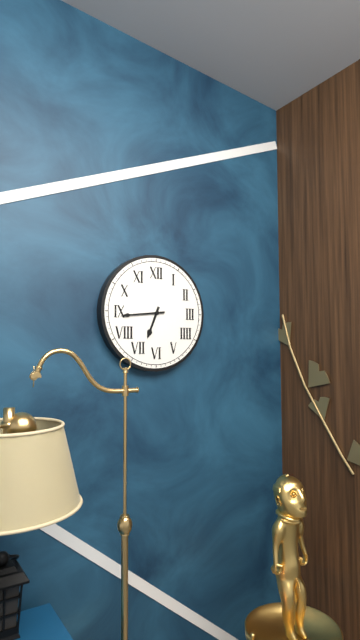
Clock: 6 h 44 min
